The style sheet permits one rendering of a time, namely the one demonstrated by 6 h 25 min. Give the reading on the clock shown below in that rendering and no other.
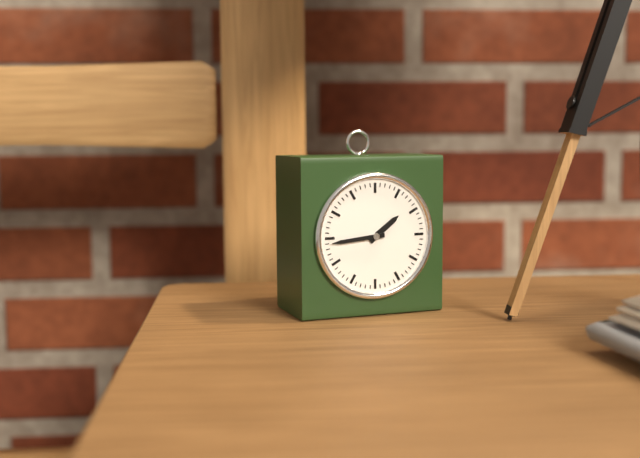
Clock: 1 h 44 min
